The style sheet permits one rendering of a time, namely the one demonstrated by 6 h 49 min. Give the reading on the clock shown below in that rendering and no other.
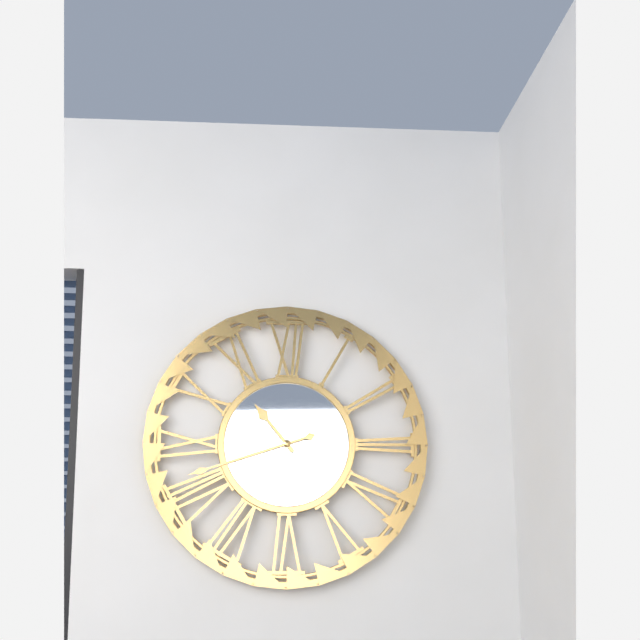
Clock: 10 h 42 min
